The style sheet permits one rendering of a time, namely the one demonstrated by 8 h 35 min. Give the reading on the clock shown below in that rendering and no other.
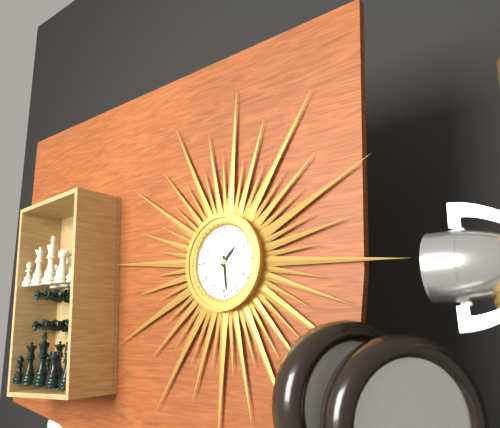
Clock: 1 h 29 min
